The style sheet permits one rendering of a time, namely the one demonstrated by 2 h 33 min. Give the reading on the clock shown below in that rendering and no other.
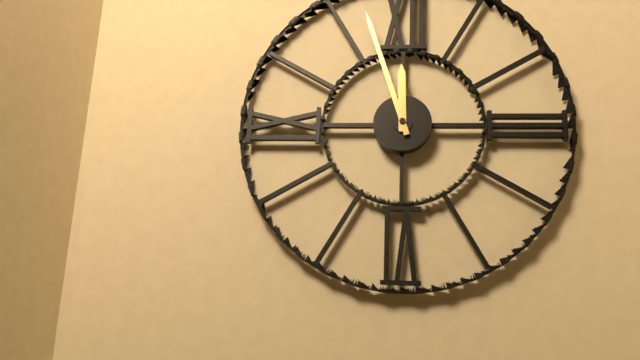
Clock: 11 h 57 min
